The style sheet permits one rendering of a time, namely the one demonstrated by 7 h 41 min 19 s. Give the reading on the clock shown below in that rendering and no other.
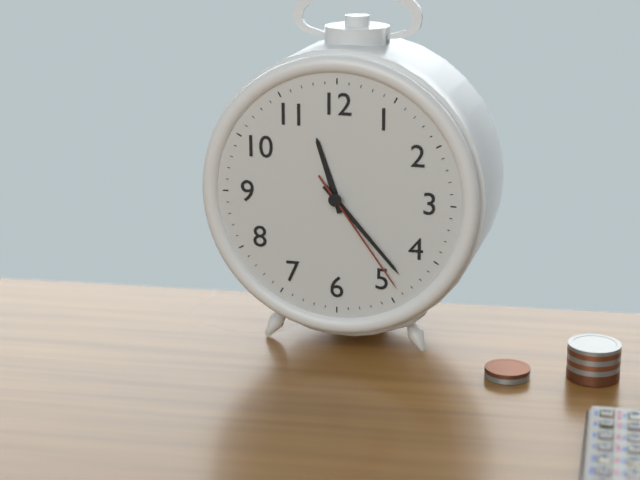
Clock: 11 h 23 min 24 s
